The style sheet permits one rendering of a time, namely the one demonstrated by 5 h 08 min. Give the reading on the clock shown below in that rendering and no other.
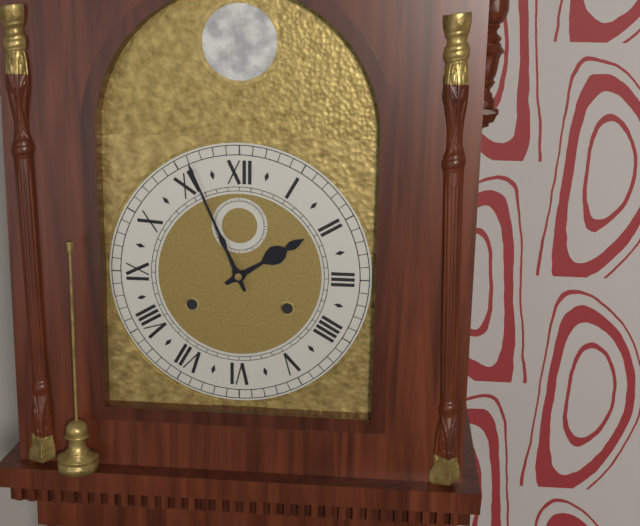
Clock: 1 h 56 min
